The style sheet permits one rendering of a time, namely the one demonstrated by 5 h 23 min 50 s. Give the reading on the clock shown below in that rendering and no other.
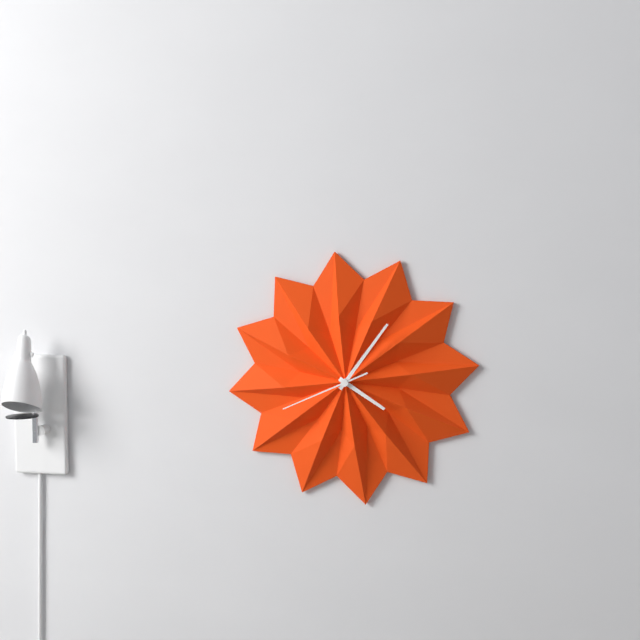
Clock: 4 h 06 min 41 s
